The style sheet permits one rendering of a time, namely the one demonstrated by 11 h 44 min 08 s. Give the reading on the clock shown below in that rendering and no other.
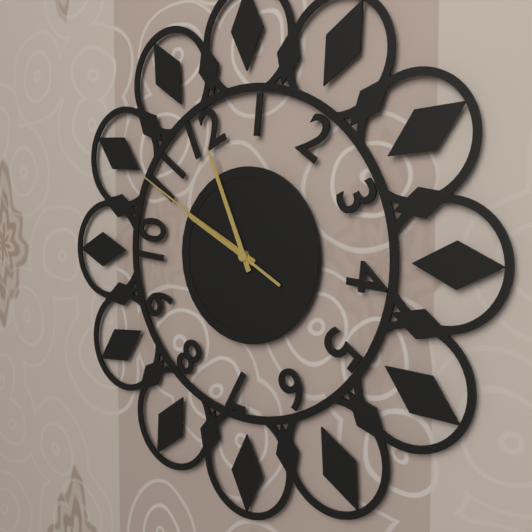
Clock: 9 h 56 min 50 s
